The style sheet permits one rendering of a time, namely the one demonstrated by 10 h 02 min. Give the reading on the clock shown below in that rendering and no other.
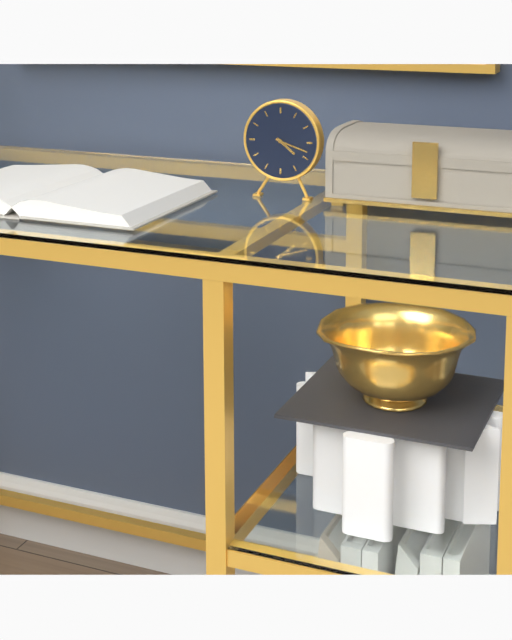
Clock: 4 h 18 min
